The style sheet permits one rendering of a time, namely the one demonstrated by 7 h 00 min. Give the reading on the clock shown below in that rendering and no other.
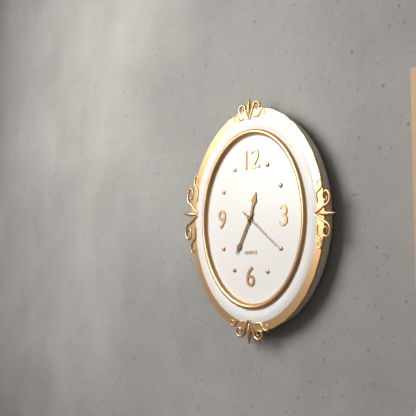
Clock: 12 h 35 min
